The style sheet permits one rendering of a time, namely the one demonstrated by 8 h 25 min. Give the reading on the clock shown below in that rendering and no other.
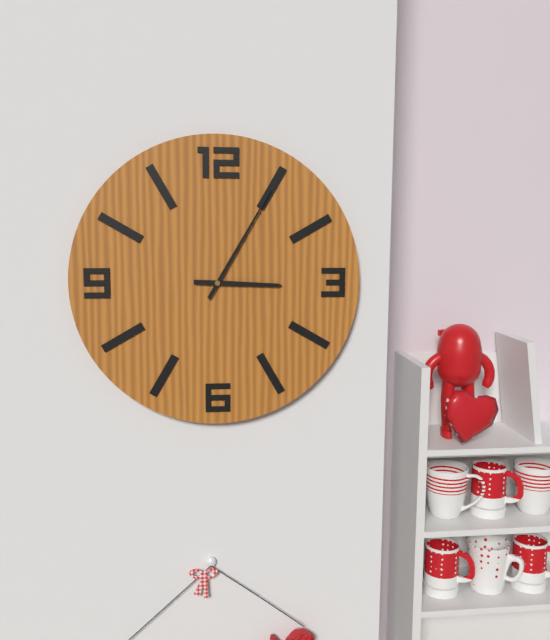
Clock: 3 h 05 min
